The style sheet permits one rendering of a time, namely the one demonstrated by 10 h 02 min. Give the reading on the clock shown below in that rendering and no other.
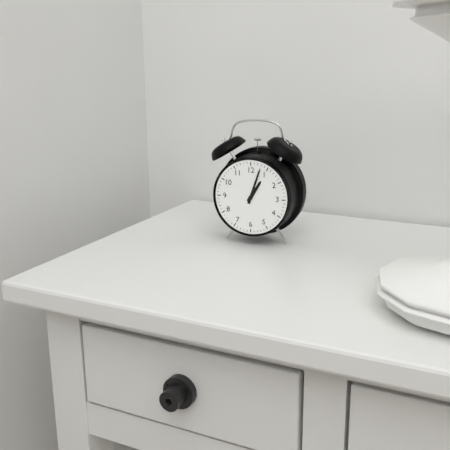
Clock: 1 h 03 min
